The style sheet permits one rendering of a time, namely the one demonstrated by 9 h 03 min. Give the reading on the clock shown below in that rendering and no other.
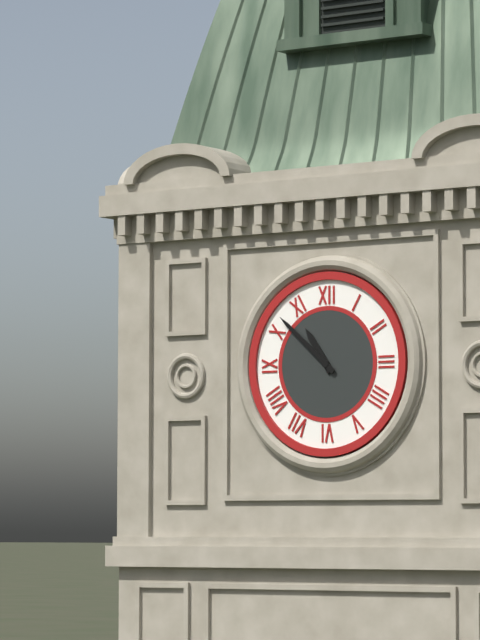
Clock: 10 h 52 min
